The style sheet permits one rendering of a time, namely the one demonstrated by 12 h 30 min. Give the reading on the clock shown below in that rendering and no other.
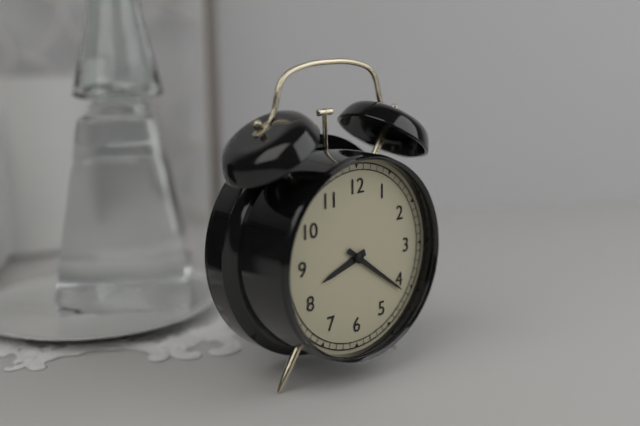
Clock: 8 h 21 min
